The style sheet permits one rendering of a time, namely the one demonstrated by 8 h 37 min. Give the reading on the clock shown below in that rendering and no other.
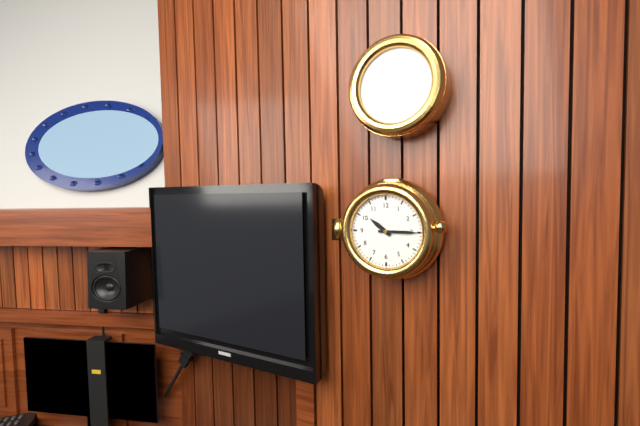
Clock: 10 h 15 min
